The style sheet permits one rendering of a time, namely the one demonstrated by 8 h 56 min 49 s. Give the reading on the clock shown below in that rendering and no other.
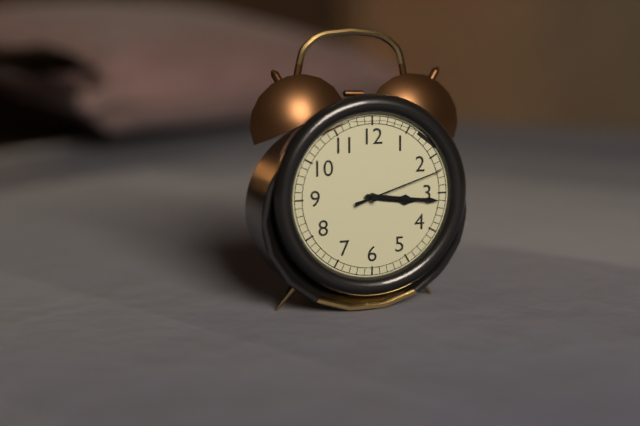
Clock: 3 h 16 min 12 s
